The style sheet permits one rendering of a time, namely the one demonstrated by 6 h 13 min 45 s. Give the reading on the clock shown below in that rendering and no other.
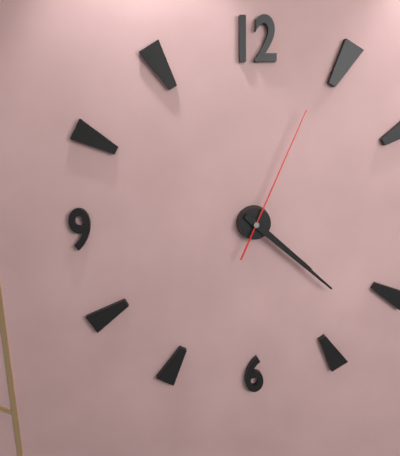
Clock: 4 h 22 min 04 s
